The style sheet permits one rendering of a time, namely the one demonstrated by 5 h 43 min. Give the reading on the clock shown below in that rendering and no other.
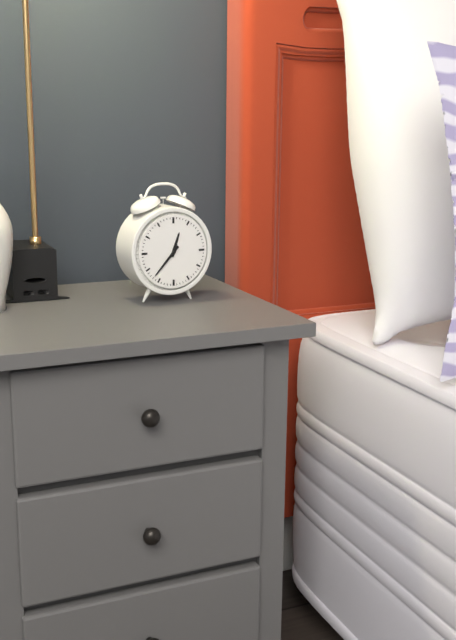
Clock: 12 h 37 min
